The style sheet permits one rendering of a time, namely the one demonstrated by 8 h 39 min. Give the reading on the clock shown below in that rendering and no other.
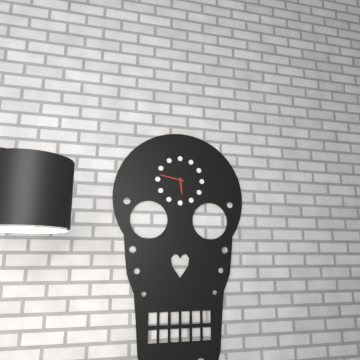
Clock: 5 h 47 min
